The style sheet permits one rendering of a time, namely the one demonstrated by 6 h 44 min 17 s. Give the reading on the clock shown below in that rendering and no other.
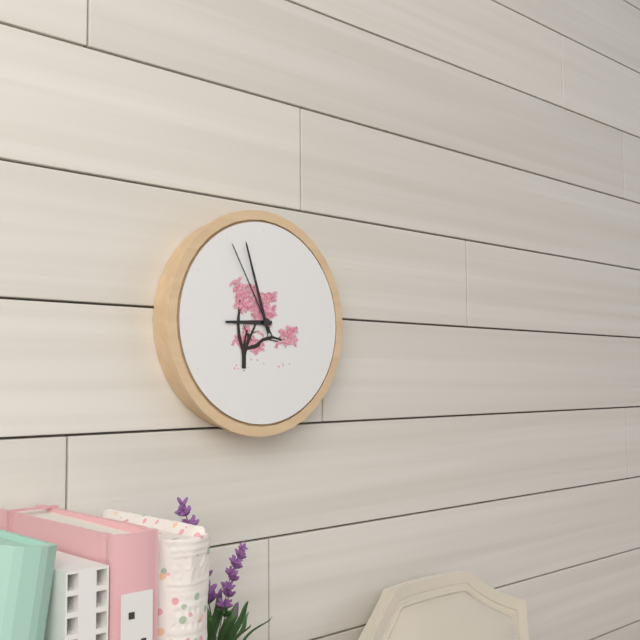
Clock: 8 h 57 min 55 s
